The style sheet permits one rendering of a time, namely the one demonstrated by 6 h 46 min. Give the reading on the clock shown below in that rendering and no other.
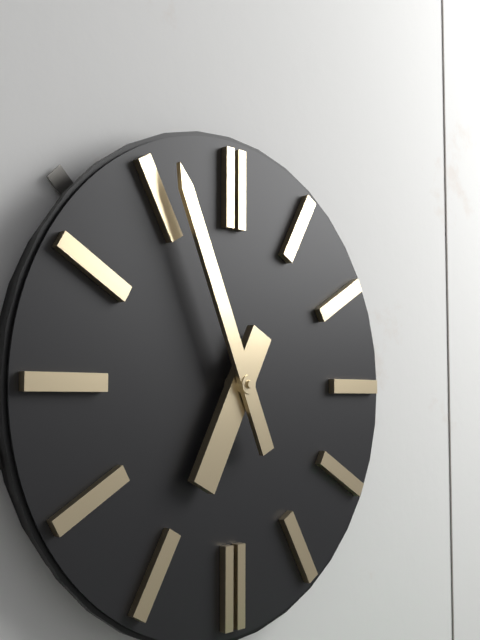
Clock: 6 h 56 min
